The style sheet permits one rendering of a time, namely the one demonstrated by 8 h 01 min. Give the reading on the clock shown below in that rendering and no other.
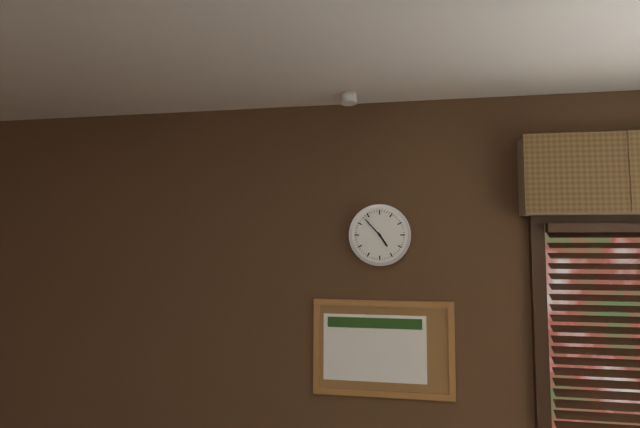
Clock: 4 h 53 min
